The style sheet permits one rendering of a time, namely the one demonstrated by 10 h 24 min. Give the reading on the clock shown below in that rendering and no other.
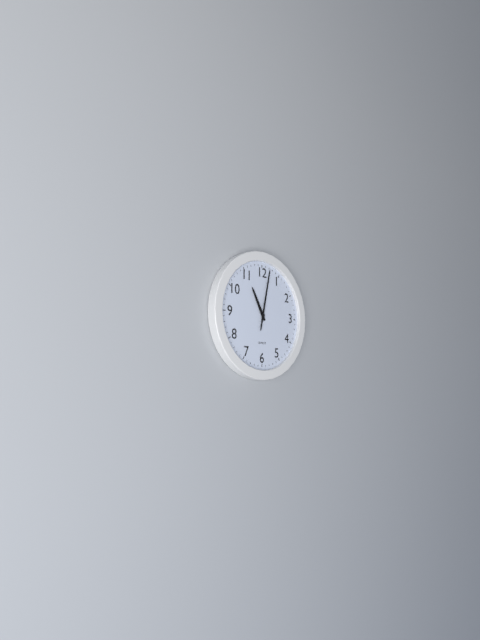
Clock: 11 h 02 min
